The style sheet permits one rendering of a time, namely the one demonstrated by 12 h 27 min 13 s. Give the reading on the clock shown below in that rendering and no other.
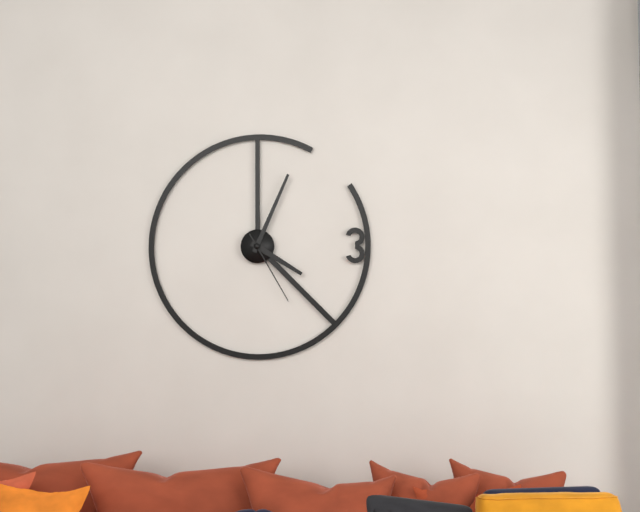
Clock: 4 h 04 min 25 s
